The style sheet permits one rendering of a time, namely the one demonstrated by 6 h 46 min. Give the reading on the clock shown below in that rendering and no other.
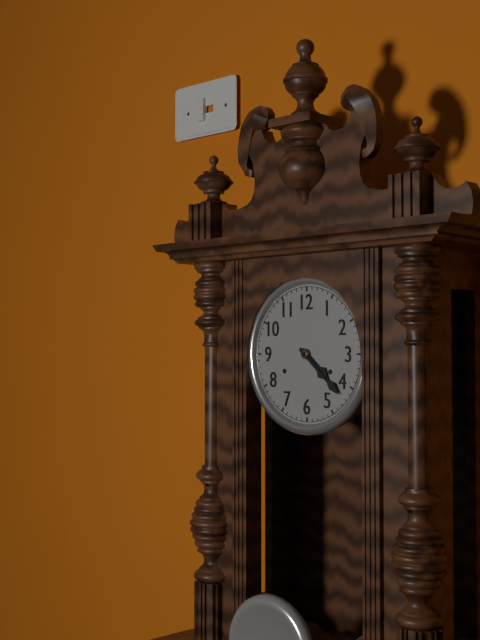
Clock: 4 h 22 min
